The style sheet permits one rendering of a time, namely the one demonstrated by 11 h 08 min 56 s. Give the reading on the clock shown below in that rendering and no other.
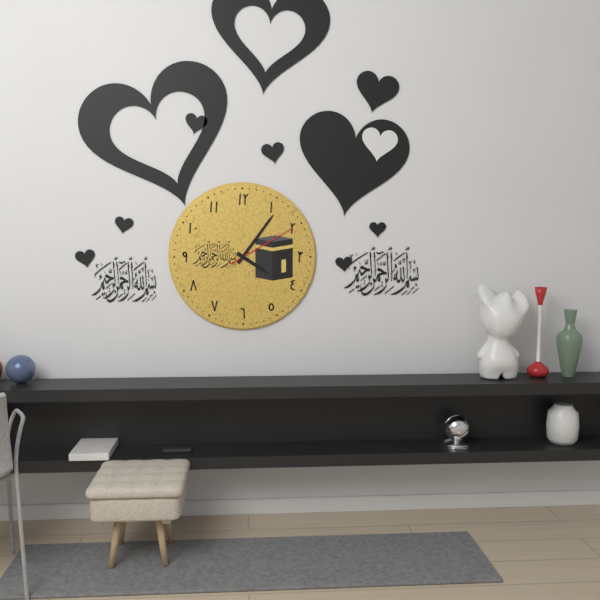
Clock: 4 h 06 min 10 s
